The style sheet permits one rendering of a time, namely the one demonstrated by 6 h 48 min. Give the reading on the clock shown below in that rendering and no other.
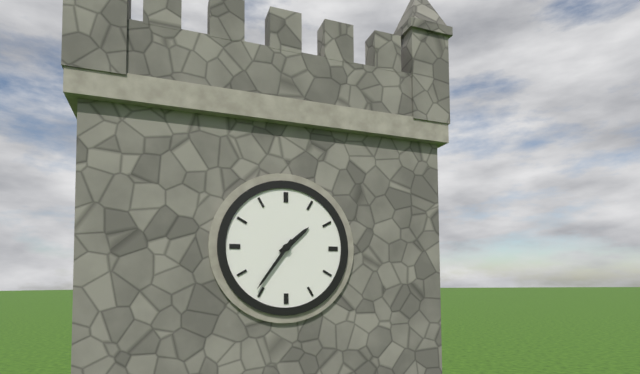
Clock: 1 h 36 min
